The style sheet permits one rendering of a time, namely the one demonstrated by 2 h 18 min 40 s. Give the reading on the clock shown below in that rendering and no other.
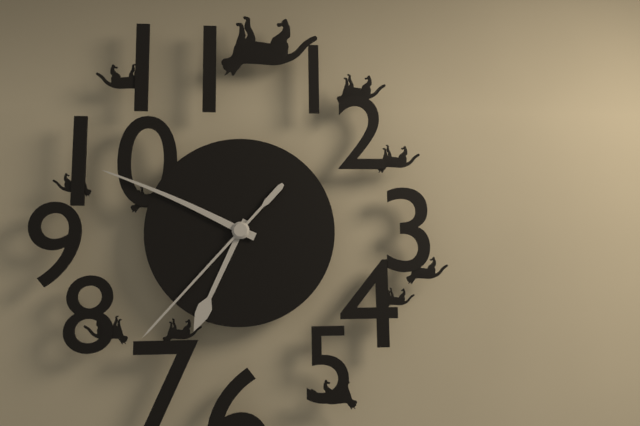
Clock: 6 h 49 min 37 s
